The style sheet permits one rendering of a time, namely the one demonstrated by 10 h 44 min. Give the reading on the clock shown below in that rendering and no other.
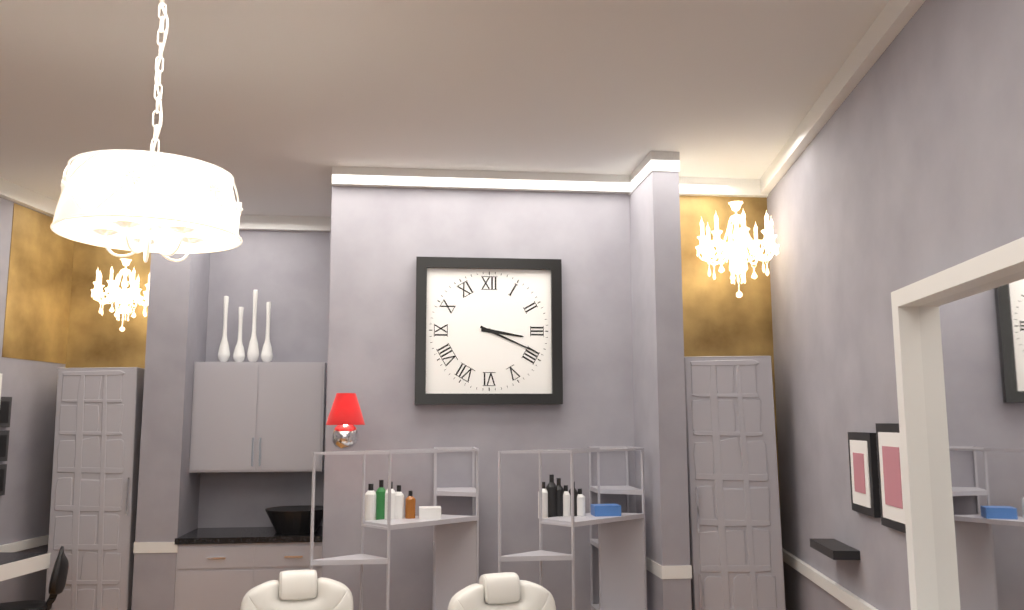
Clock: 3 h 19 min
